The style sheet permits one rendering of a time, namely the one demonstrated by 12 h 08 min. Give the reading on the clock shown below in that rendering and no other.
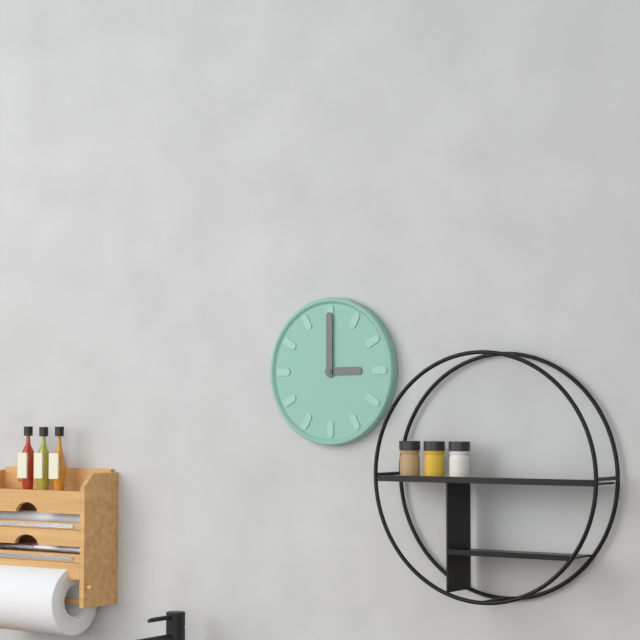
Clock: 3 h 00 min
